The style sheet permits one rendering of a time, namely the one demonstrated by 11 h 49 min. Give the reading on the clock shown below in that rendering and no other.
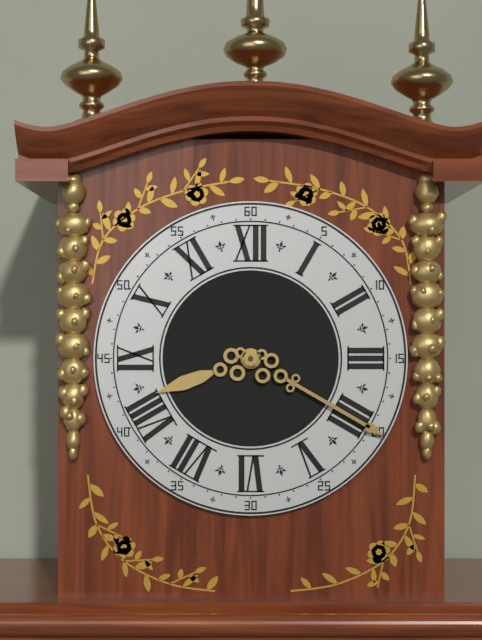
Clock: 8 h 20 min
